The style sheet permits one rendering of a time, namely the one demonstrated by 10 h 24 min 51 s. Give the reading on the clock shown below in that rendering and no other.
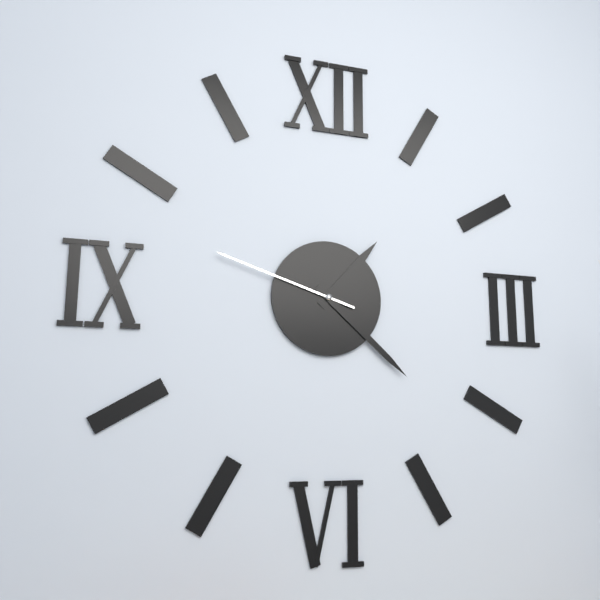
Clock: 1 h 22 min 48 s
